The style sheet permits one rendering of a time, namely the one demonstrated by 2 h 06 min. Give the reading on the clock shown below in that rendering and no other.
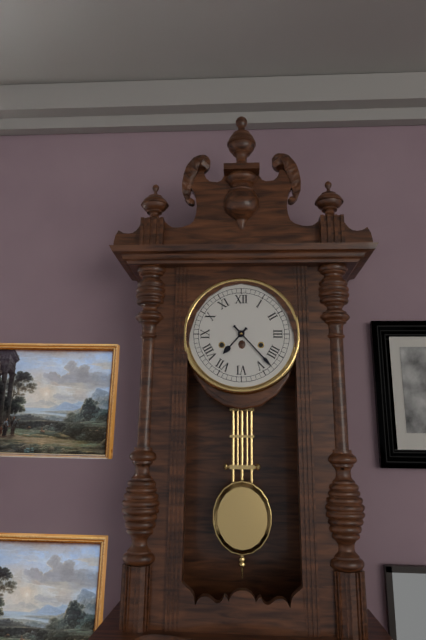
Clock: 7 h 23 min
